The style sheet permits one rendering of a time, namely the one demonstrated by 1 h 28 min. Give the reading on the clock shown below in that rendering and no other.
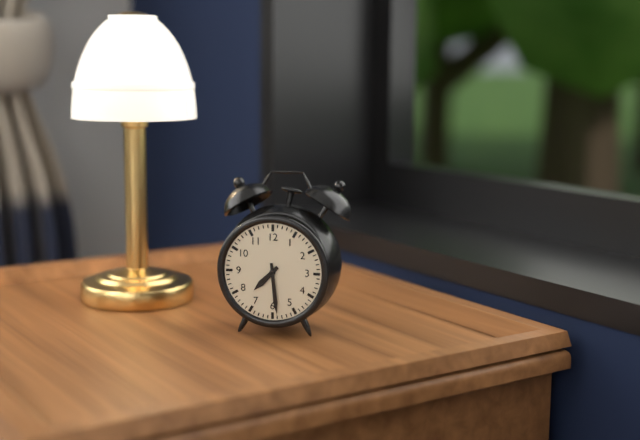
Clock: 7 h 29 min
